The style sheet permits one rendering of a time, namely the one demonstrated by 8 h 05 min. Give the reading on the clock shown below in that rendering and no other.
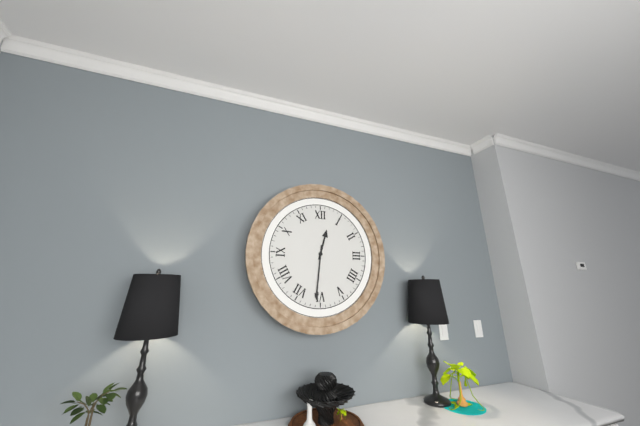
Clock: 12 h 31 min
